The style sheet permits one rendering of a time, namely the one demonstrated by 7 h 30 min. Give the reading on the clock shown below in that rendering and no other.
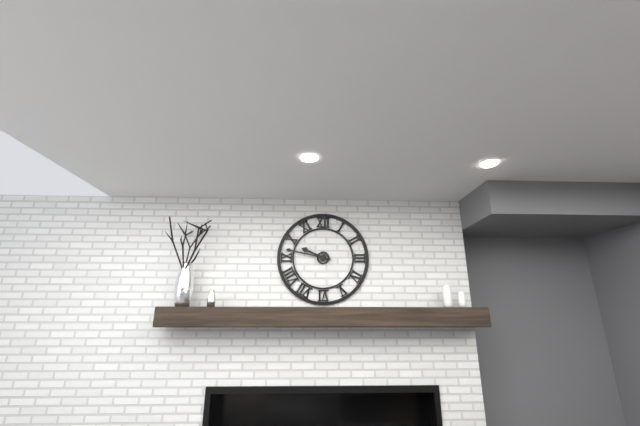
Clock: 9 h 47 min
